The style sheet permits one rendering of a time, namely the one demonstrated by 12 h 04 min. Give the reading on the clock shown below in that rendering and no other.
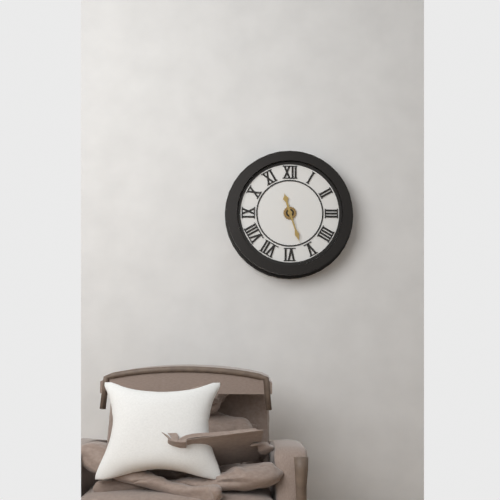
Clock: 11 h 27 min
